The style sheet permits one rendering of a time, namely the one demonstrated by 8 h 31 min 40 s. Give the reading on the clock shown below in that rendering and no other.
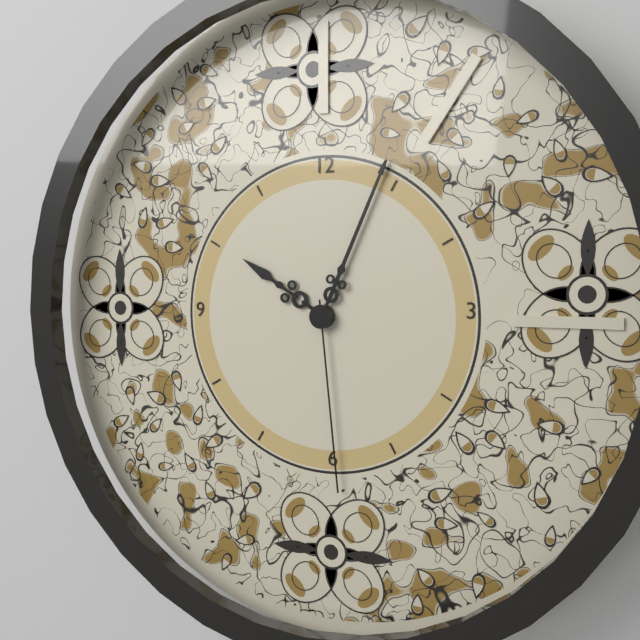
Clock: 10 h 04 min 29 s
